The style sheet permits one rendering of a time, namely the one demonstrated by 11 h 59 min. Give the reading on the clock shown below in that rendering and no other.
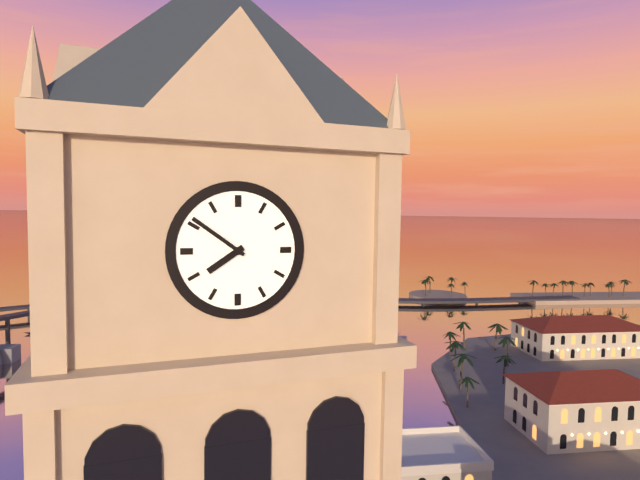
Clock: 7 h 51 min
